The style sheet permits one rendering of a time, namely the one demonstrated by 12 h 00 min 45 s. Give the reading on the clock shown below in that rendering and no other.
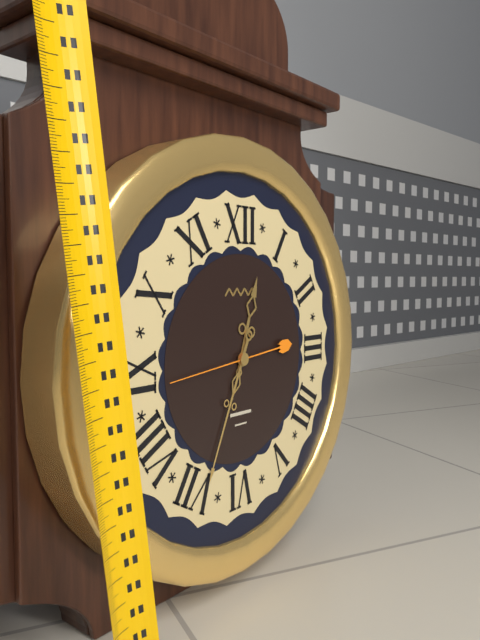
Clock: 12 h 34 min 44 s
